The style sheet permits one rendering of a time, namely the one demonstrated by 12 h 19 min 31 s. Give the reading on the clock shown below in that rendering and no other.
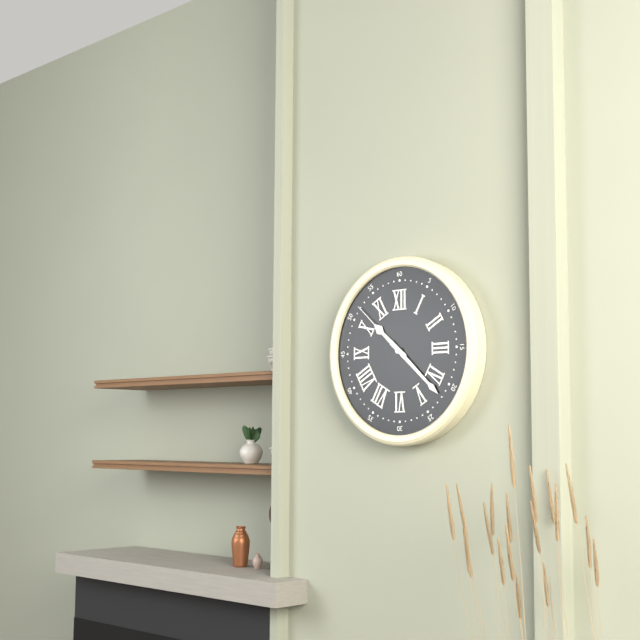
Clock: 10 h 22 min 52 s
